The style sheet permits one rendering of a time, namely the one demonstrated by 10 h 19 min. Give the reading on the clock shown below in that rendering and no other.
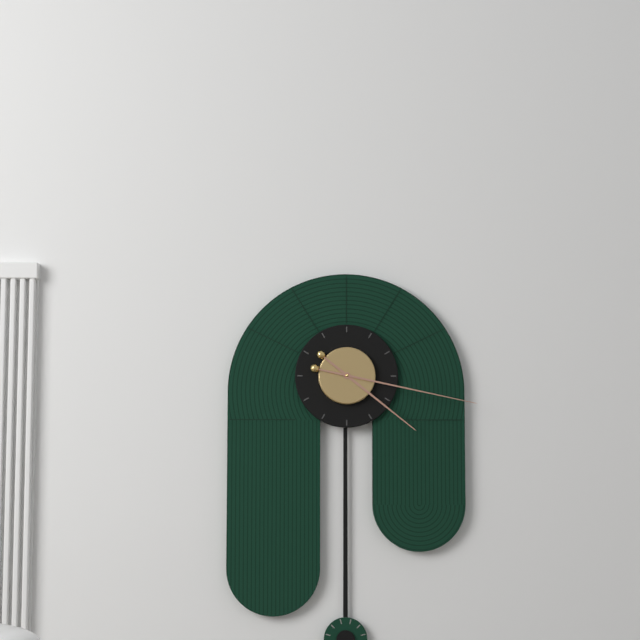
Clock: 4 h 17 min
